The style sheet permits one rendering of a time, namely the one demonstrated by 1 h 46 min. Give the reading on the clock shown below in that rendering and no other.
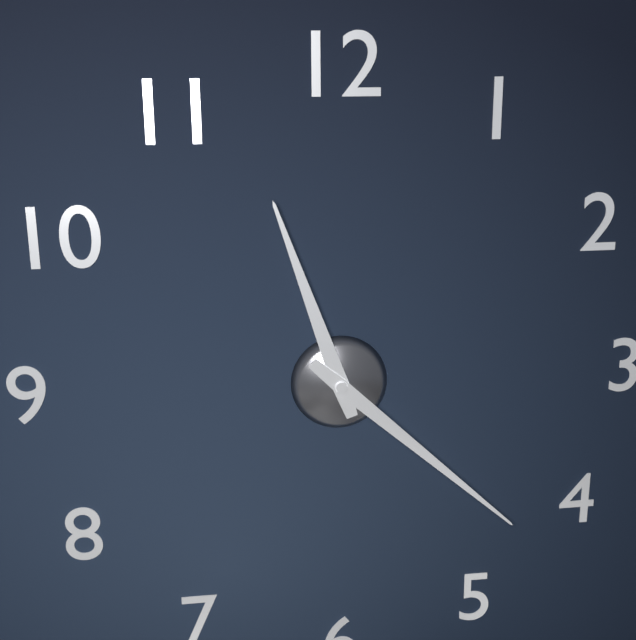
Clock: 11 h 22 min
